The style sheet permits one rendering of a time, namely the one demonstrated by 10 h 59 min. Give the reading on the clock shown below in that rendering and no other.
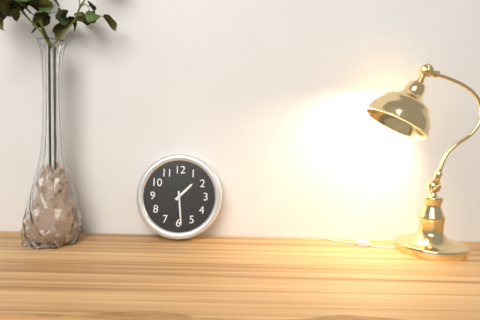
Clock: 1 h 29 min
